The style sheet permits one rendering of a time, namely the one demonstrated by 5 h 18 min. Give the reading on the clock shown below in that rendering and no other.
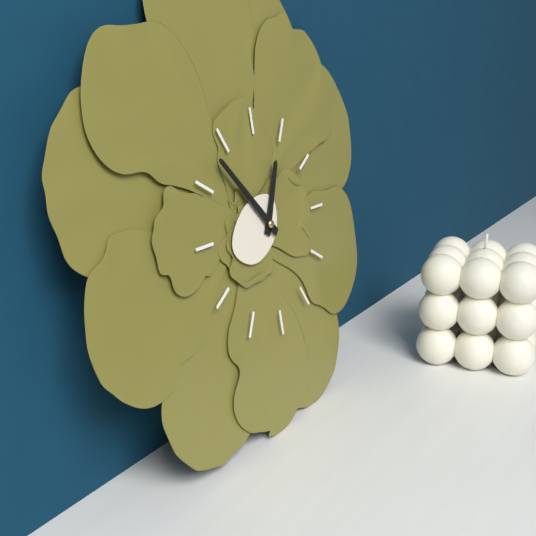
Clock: 12 h 53 min
